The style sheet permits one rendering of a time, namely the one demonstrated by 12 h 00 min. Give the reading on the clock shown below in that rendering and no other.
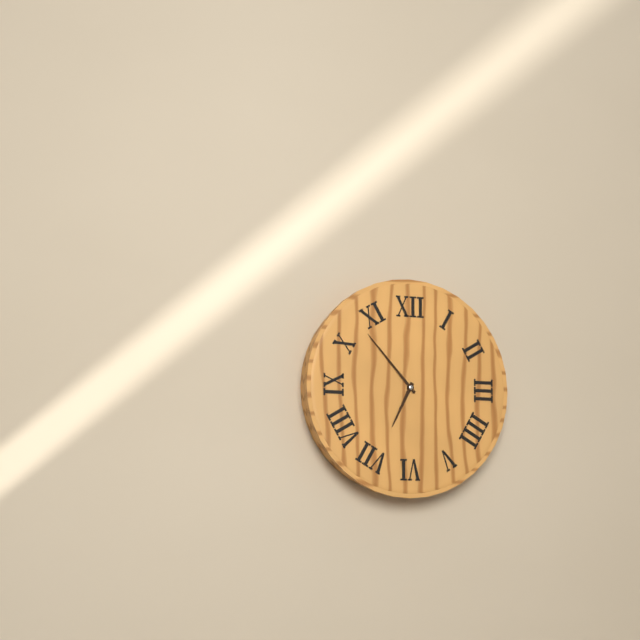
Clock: 6 h 53 min
